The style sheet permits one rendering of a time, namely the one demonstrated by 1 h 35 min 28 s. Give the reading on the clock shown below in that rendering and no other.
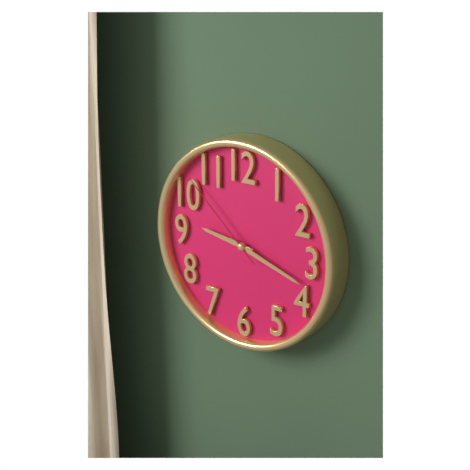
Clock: 9 h 18 min 52 s
